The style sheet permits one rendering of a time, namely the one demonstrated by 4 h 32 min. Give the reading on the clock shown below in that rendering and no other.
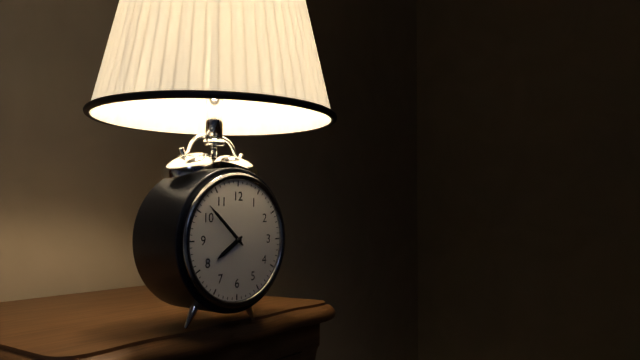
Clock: 7 h 52 min
